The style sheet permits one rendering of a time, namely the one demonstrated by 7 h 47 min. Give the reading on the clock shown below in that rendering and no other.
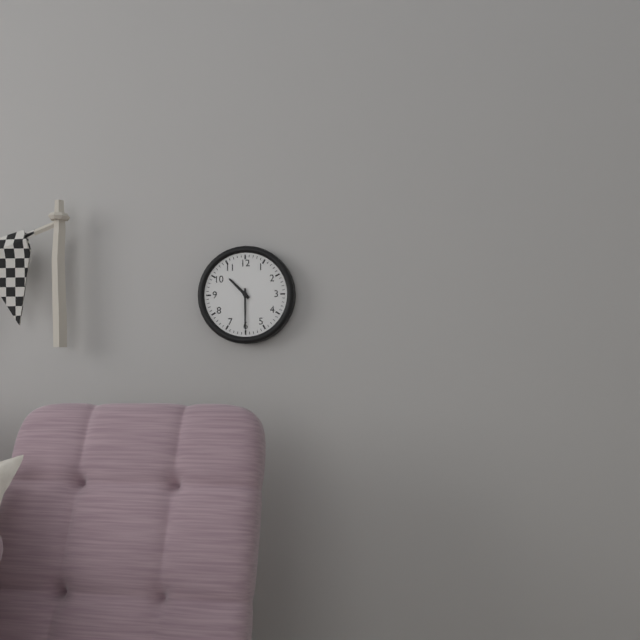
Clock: 10 h 30 min
